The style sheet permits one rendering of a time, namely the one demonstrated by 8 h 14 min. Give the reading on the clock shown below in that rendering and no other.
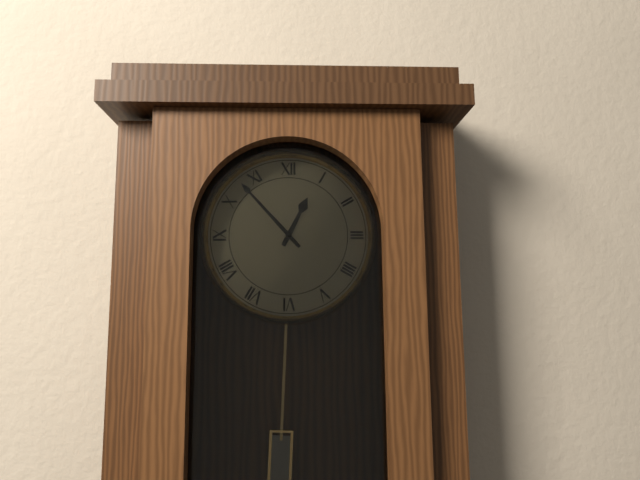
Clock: 12 h 53 min
